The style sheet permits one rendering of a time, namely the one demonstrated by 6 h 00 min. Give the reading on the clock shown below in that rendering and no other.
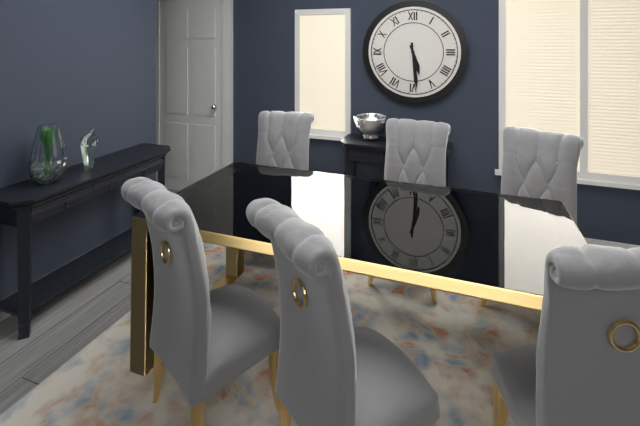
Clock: 5 h 29 min
